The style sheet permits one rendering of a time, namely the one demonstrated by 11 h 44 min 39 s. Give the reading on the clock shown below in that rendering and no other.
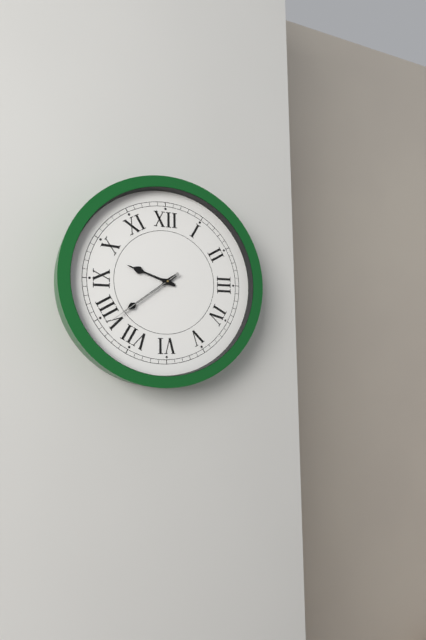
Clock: 9 h 39 min 39 s
